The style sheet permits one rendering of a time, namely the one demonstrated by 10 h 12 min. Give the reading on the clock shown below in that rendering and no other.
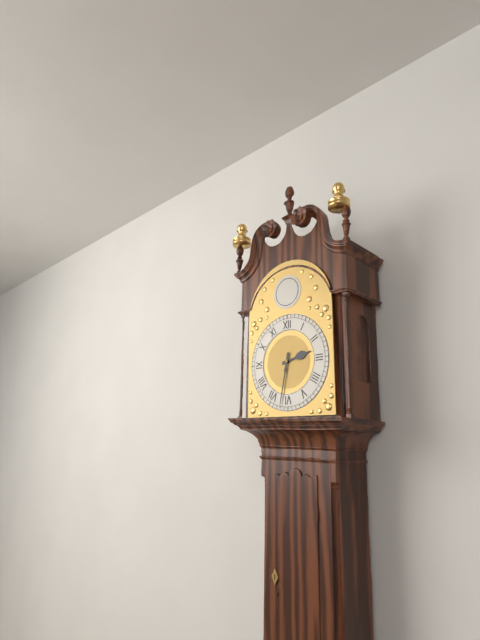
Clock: 2 h 32 min
